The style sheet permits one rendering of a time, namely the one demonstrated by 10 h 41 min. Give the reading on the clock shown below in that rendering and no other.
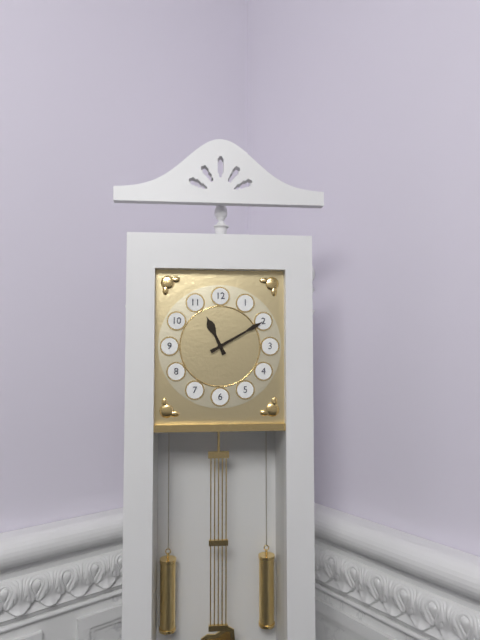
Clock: 11 h 10 min
